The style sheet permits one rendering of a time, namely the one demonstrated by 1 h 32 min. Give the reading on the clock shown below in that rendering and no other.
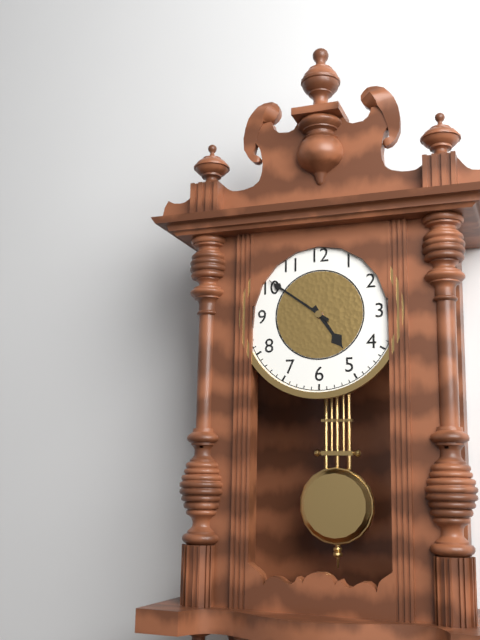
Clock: 4 h 51 min
